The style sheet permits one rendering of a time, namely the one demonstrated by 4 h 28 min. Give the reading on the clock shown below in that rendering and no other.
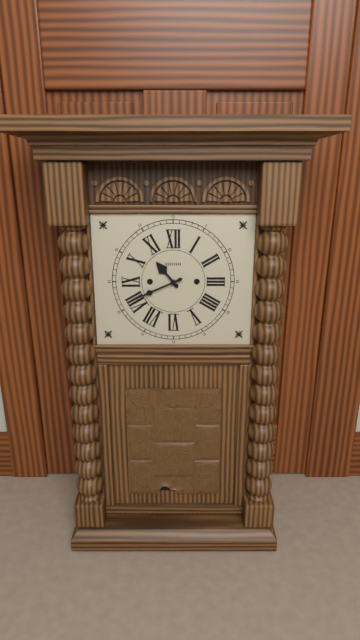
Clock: 10 h 41 min
